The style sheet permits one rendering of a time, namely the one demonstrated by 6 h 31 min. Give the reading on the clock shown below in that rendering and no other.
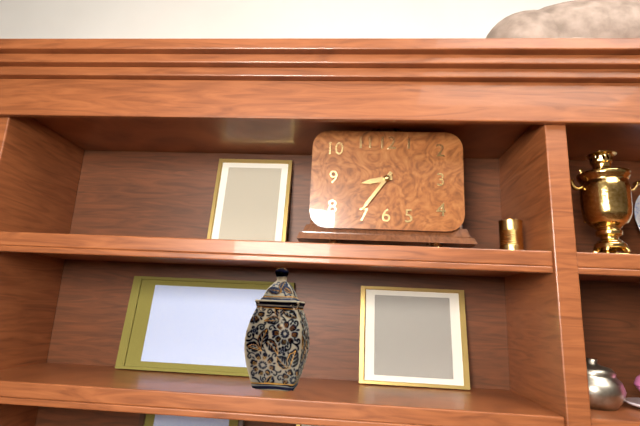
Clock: 8 h 36 min
